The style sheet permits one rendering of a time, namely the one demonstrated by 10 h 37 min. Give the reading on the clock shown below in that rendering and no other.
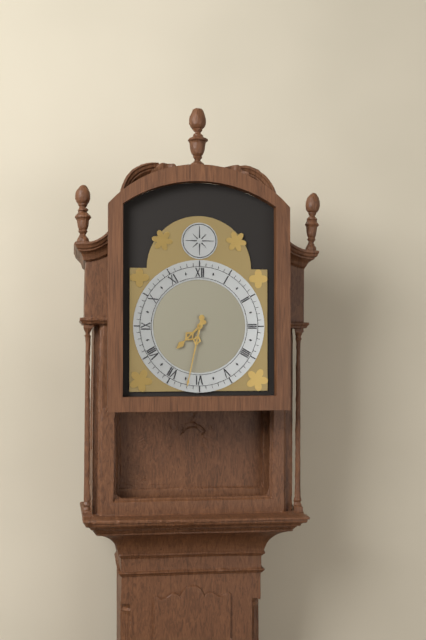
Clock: 7 h 32 min
